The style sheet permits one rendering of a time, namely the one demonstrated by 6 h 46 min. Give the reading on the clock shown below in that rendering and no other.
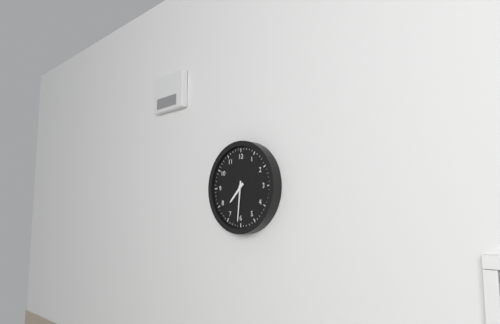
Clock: 7 h 31 min
